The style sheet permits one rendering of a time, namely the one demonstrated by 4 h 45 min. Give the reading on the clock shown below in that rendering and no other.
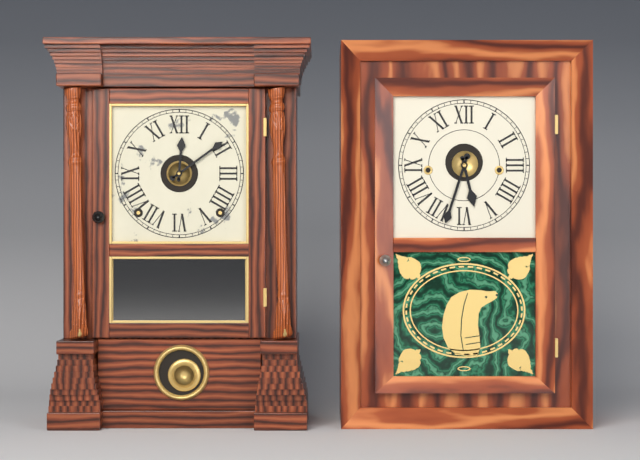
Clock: 12 h 09 min
